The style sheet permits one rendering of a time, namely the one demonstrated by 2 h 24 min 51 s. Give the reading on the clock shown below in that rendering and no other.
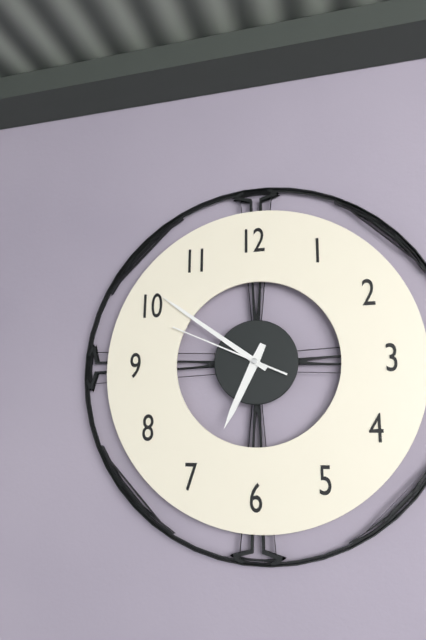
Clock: 6 h 51 min 49 s
